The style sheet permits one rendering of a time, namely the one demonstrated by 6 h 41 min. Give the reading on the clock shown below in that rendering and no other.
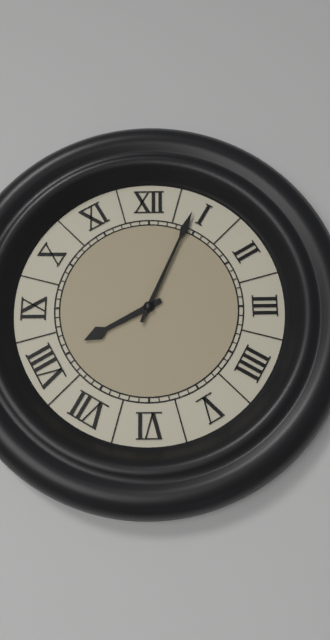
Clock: 8 h 04 min
